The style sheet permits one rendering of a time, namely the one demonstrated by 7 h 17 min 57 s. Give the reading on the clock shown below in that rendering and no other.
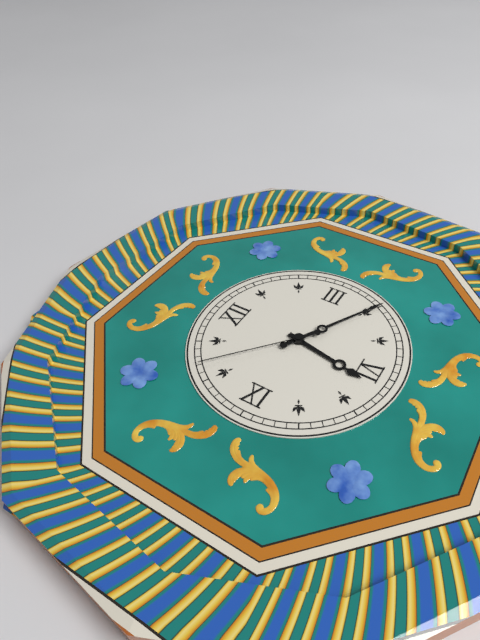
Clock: 6 h 20 min 52 s
